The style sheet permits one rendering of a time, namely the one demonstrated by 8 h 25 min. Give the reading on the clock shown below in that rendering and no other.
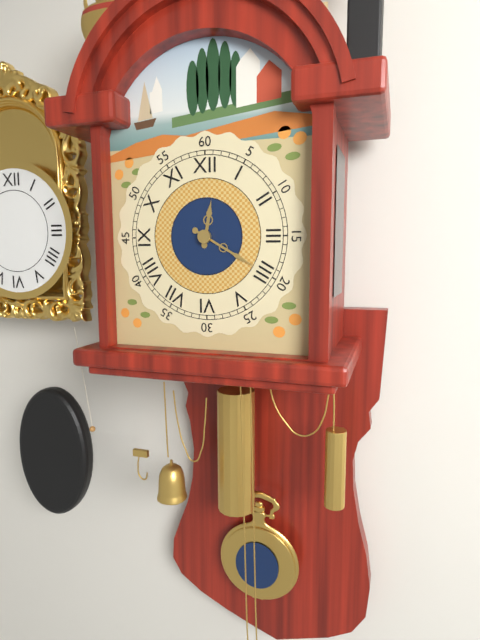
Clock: 12 h 20 min
